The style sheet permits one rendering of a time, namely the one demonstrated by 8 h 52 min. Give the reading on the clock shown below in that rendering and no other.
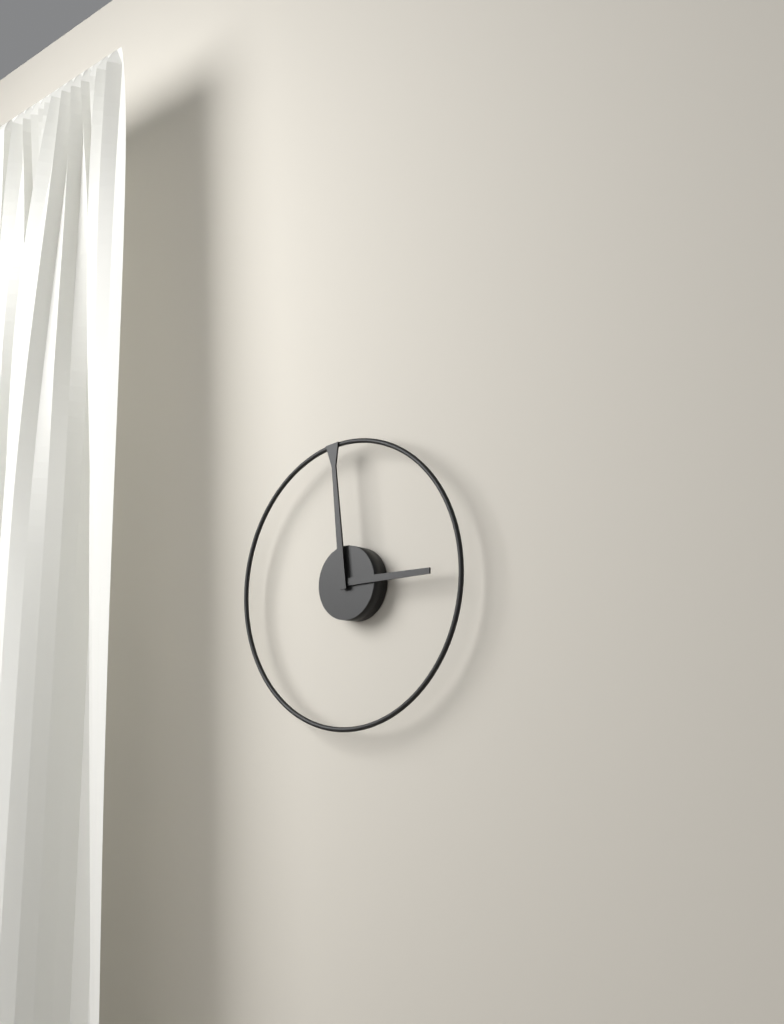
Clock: 2 h 59 min
